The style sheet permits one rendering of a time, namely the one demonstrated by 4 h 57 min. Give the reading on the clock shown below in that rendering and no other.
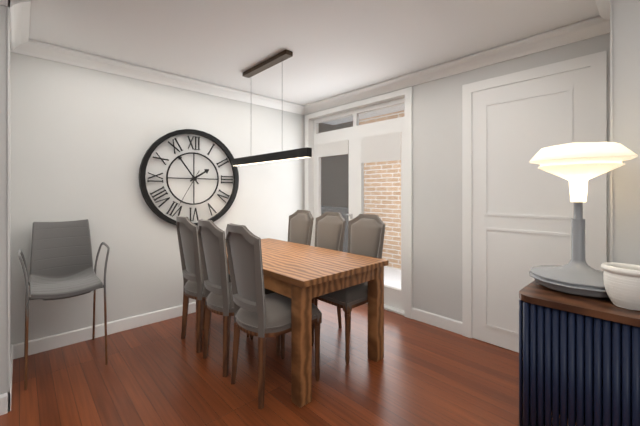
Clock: 1 h 54 min
